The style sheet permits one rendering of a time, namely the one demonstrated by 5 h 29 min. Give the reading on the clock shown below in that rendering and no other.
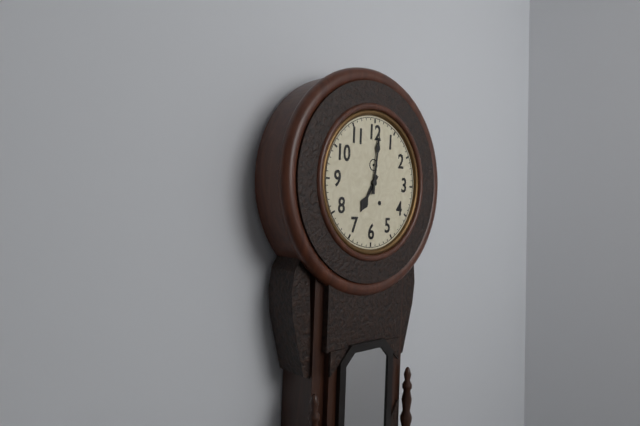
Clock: 7 h 01 min
